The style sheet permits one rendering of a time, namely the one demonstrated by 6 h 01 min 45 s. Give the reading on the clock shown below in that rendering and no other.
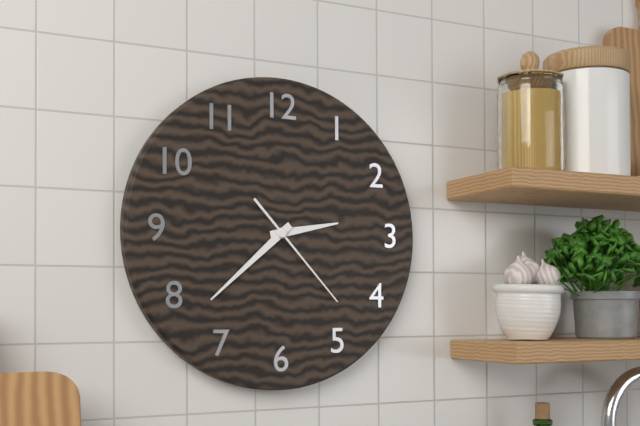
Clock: 2 h 38 min 23 s
